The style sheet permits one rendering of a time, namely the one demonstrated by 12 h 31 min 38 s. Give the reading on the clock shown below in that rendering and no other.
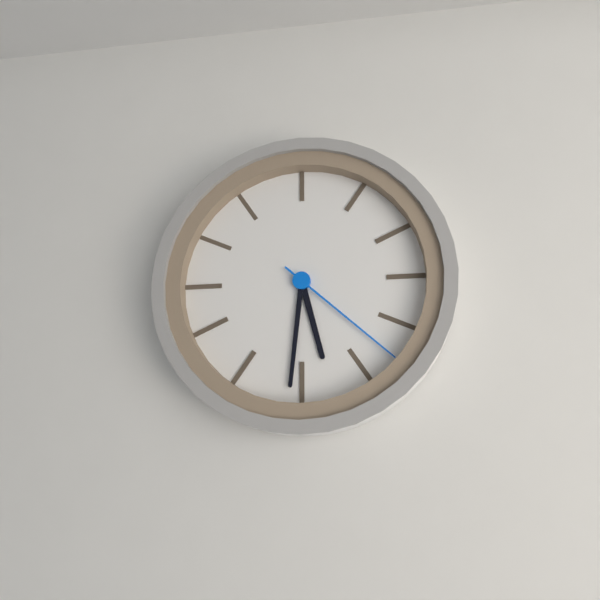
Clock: 5 h 31 min 22 s
